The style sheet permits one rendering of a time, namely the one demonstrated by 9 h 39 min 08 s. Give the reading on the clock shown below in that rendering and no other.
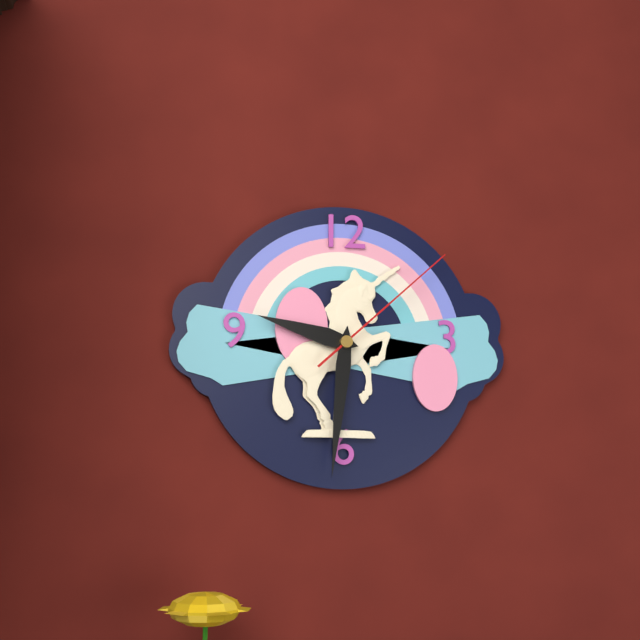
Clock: 9 h 31 min 08 s
